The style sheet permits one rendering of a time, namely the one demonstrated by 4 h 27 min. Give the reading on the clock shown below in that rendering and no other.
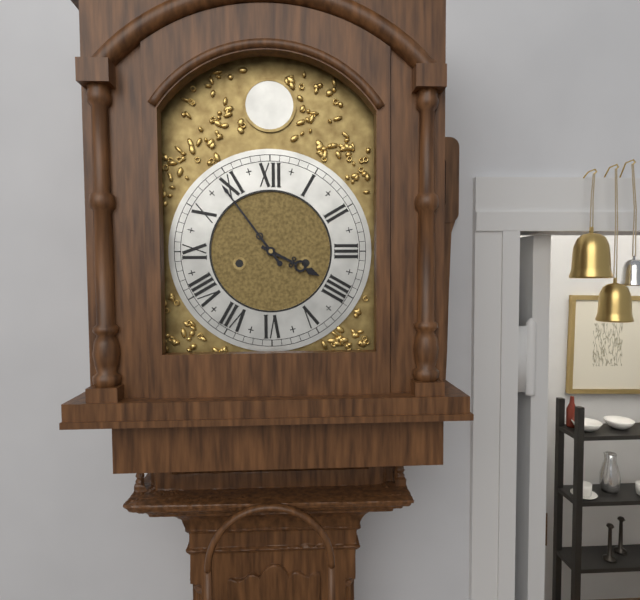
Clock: 3 h 54 min
